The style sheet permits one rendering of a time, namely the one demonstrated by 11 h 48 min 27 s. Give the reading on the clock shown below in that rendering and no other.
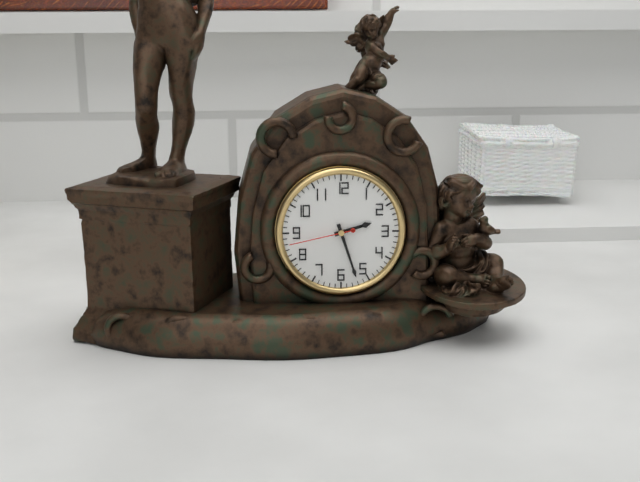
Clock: 2 h 27 min 43 s
